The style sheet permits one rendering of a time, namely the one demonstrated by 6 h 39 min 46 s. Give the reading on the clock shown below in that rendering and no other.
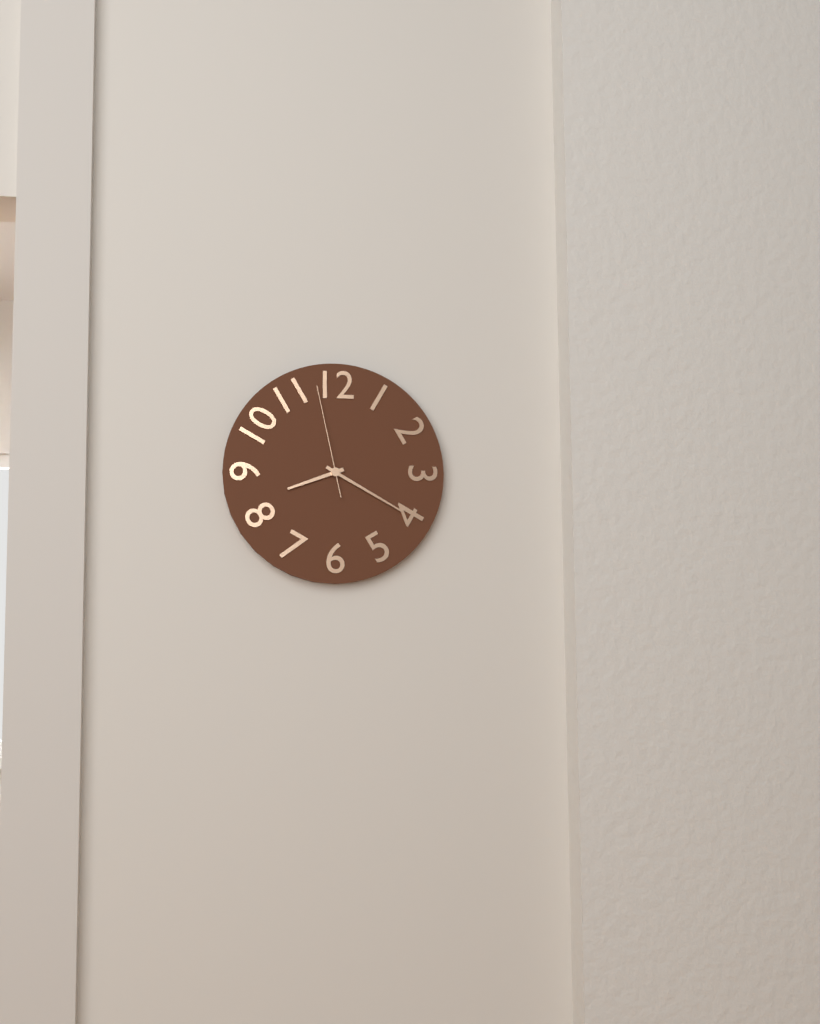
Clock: 8 h 20 min 58 s
